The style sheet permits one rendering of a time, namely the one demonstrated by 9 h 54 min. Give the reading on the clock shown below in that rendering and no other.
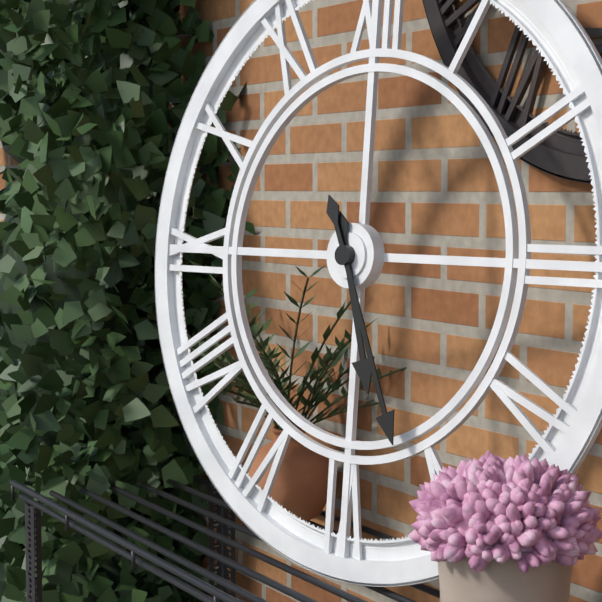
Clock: 5 h 26 min
